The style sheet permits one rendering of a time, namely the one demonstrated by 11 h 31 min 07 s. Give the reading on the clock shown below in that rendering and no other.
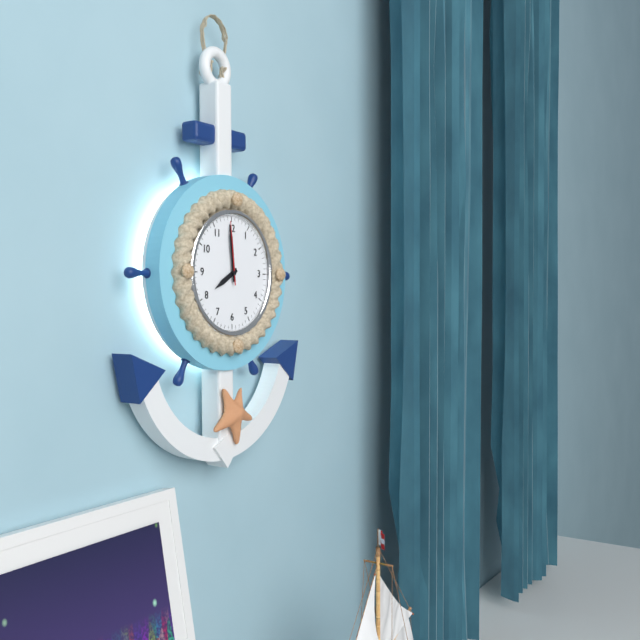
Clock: 7 h 59 min 59 s
